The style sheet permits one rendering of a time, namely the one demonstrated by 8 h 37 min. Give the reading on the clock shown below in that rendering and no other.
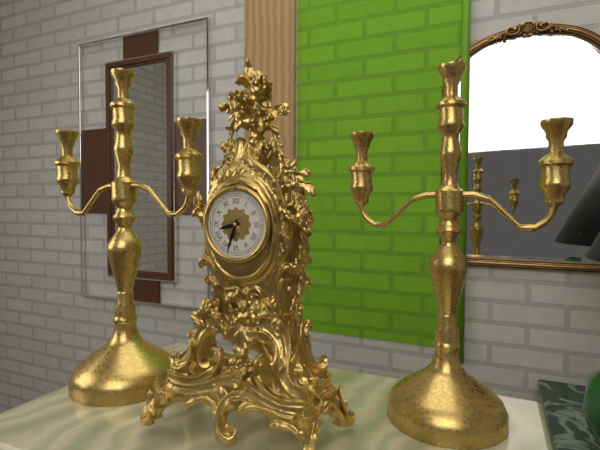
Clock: 8 h 33 min
